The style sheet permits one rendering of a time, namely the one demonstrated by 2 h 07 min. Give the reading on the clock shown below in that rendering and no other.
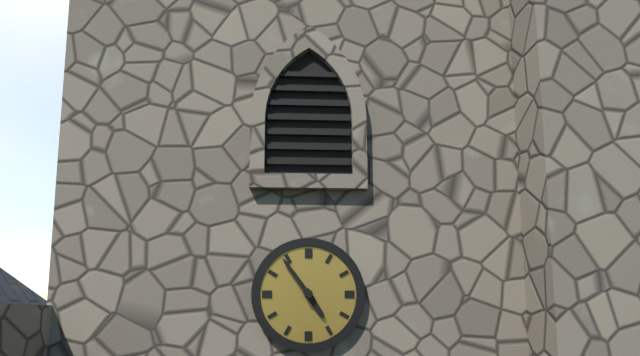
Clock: 4 h 54 min
